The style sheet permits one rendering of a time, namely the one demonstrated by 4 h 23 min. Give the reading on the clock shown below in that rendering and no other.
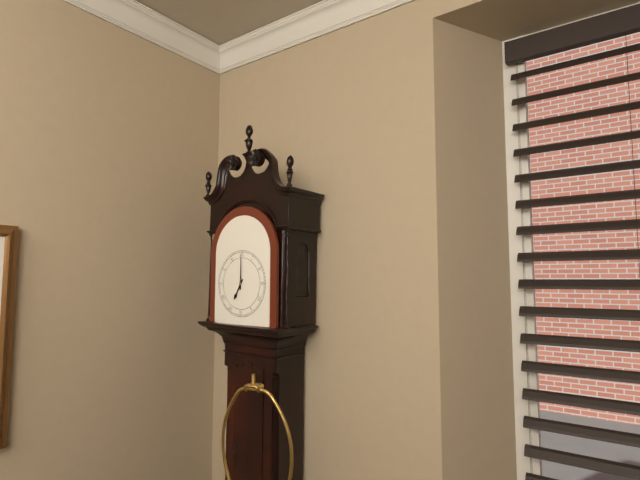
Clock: 7 h 00 min
